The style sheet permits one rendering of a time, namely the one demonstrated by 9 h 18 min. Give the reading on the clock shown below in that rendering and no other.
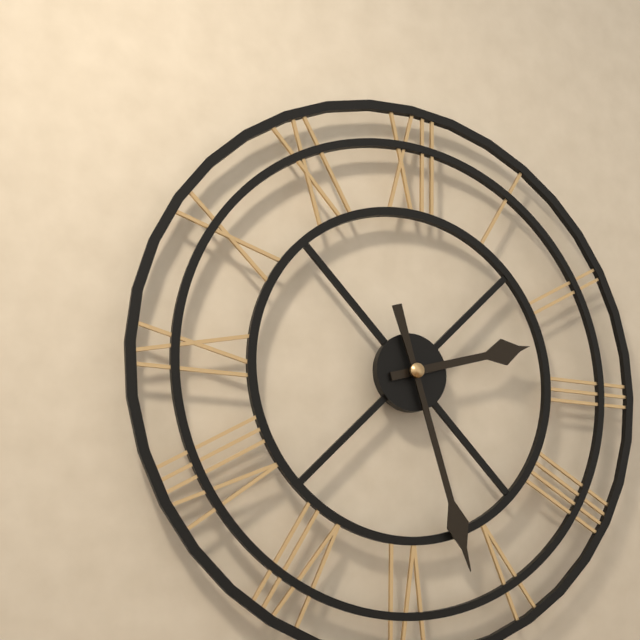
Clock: 2 h 27 min
